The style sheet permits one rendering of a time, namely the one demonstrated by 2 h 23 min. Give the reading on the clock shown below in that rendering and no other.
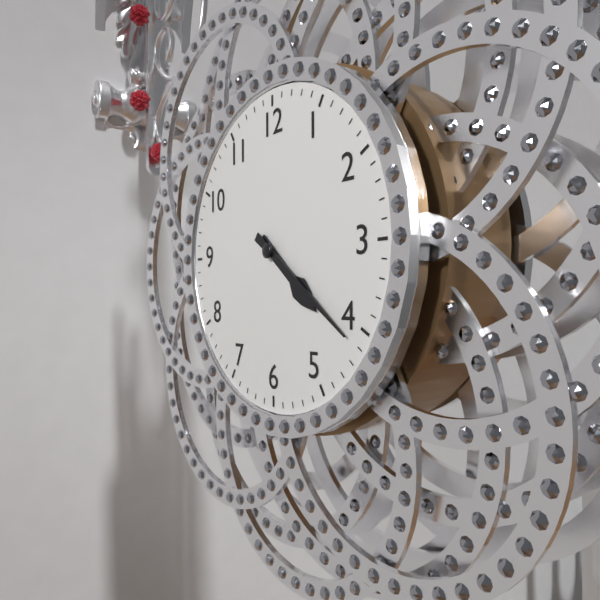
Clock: 4 h 21 min
